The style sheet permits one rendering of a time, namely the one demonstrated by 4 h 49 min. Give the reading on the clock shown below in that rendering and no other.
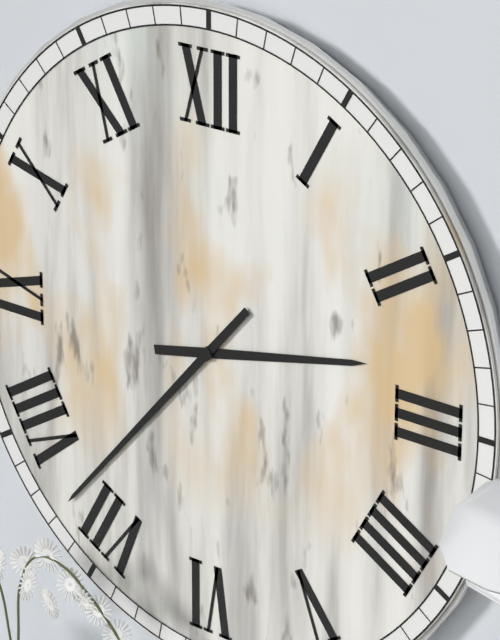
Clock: 2 h 37 min
